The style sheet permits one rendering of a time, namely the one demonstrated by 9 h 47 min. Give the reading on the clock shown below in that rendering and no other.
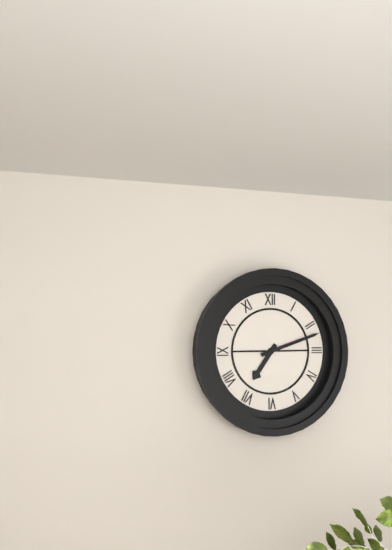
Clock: 7 h 12 min
